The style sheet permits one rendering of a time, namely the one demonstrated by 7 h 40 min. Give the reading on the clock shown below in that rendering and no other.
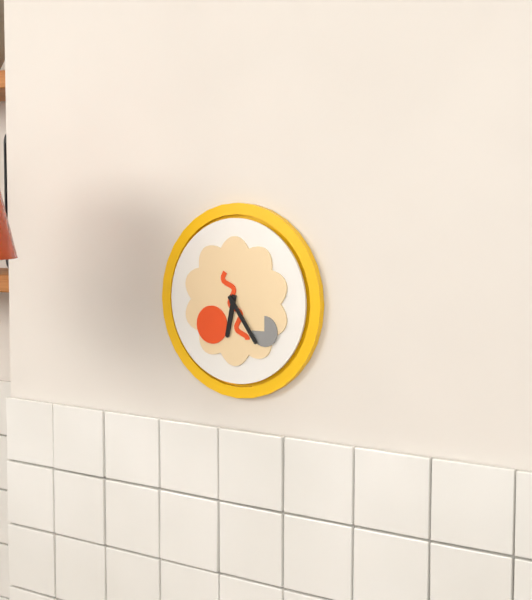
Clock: 6 h 24 min
